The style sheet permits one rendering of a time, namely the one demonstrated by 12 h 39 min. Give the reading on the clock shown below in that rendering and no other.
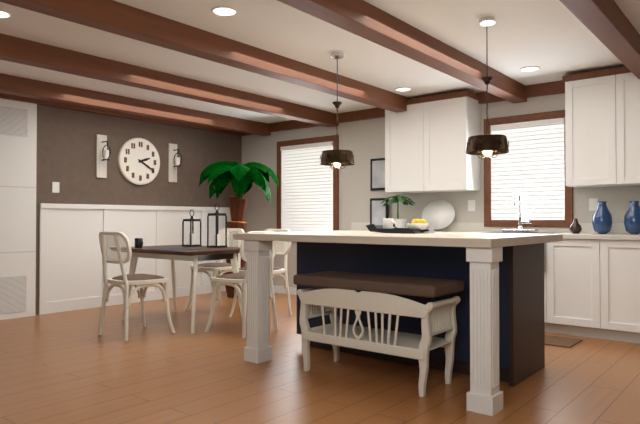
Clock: 2 h 20 min
